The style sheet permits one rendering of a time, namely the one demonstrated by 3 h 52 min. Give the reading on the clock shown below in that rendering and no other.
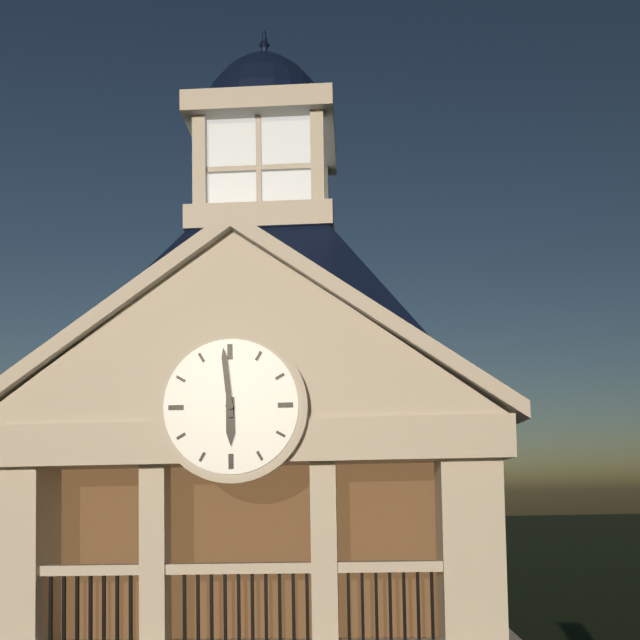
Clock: 5 h 59 min
